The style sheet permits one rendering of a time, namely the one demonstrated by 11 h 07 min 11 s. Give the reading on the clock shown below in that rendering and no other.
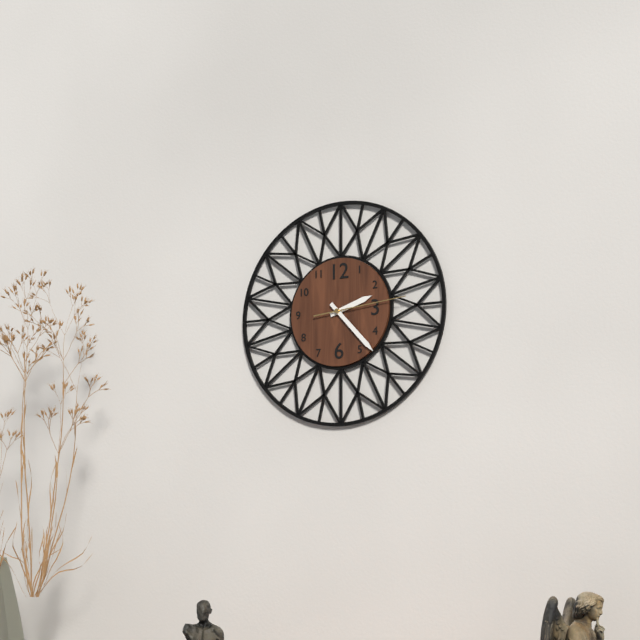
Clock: 2 h 23 min 14 s
